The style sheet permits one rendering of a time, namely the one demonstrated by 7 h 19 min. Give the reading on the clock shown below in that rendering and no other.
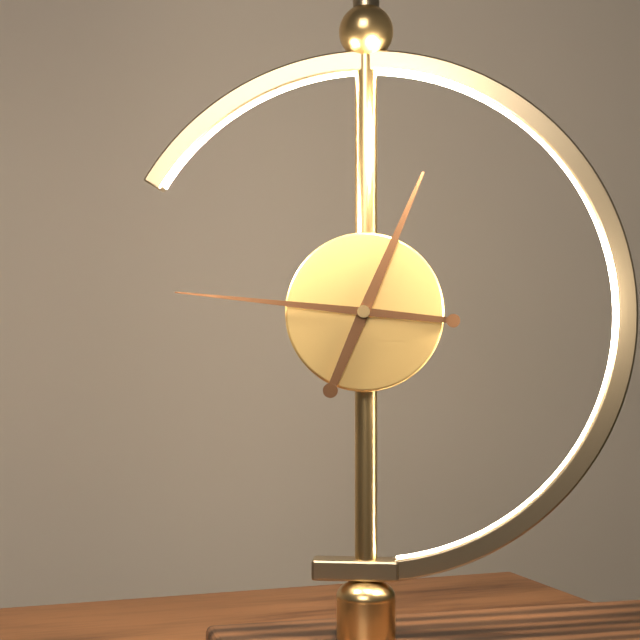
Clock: 12 h 46 min
